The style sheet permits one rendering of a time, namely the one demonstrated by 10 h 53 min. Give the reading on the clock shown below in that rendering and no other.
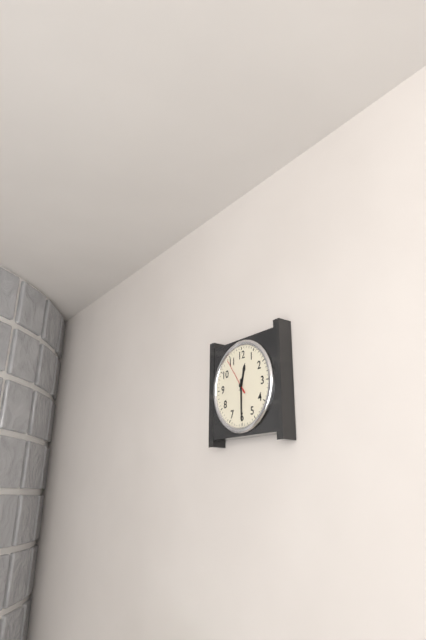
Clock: 12 h 30 min
